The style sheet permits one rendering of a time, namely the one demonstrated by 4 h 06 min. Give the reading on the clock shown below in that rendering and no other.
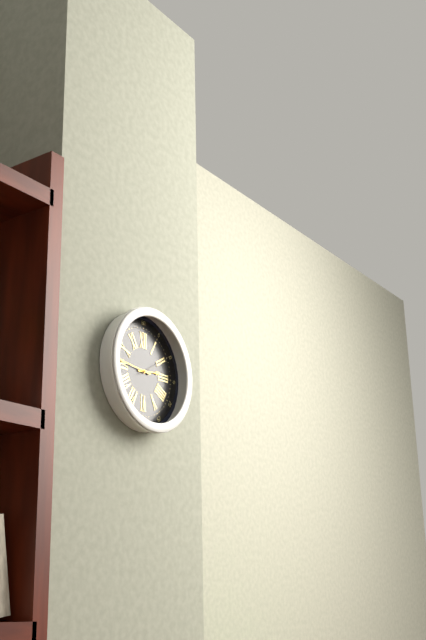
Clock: 2 h 46 min
